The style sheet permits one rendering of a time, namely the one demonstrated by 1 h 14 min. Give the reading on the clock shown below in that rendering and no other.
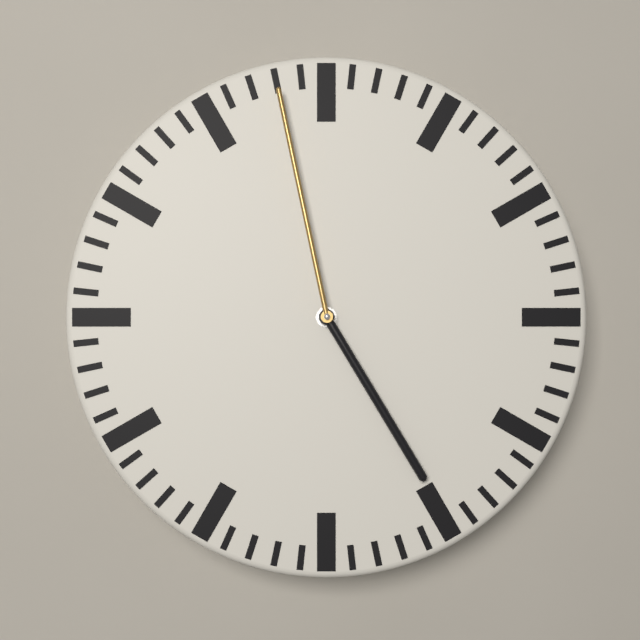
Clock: 4 h 58 min
